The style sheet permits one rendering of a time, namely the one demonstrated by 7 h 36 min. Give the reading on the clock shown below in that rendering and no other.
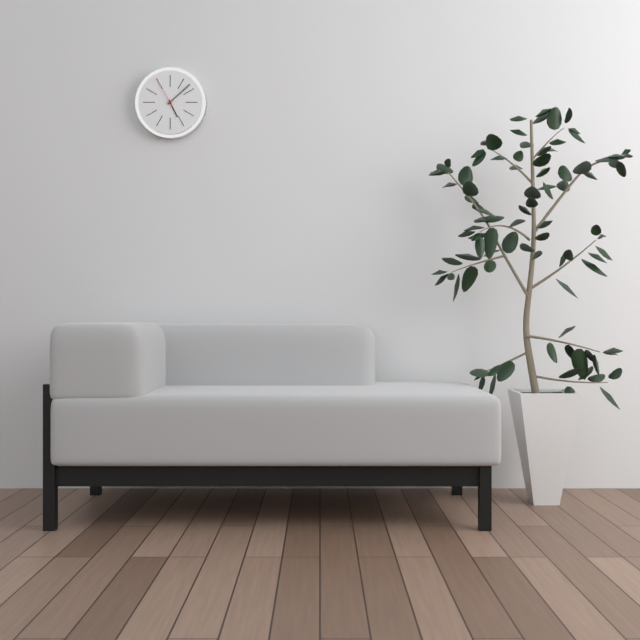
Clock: 5 h 08 min
